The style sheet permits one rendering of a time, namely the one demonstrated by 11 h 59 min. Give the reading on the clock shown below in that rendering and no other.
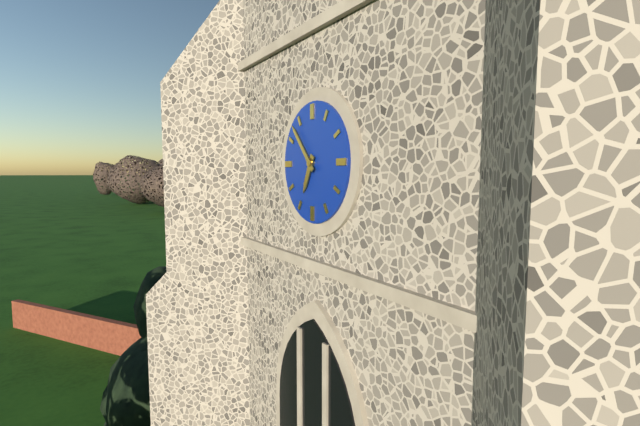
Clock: 6 h 53 min
